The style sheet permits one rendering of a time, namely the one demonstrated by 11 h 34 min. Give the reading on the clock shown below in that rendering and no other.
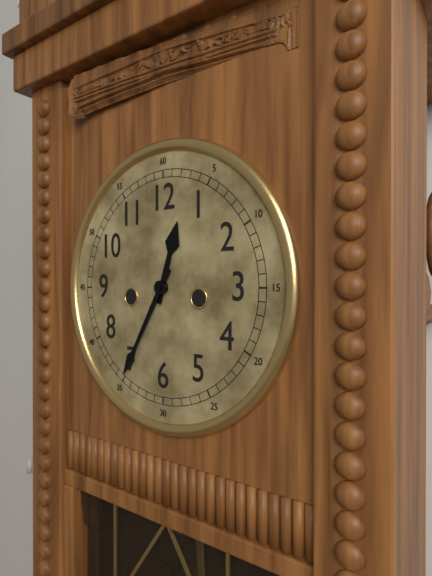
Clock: 12 h 35 min
